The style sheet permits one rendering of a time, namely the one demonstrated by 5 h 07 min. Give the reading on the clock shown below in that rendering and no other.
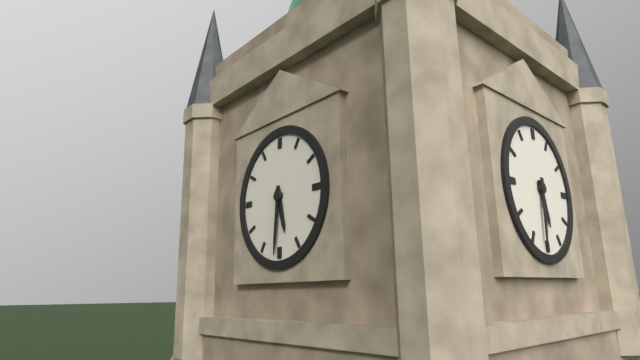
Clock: 5 h 31 min
